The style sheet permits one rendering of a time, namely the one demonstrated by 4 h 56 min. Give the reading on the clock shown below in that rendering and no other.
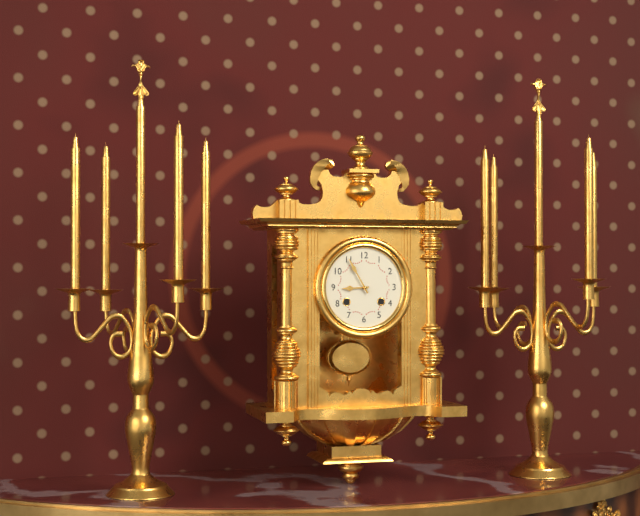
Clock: 8 h 55 min
